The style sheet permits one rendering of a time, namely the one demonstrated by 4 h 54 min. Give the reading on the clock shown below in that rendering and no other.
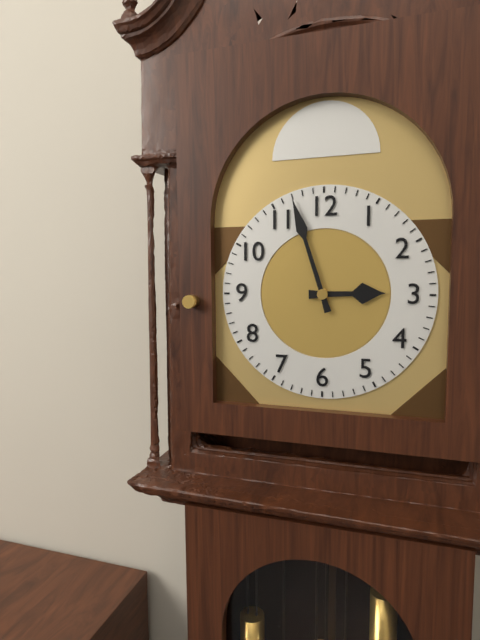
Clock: 2 h 57 min
